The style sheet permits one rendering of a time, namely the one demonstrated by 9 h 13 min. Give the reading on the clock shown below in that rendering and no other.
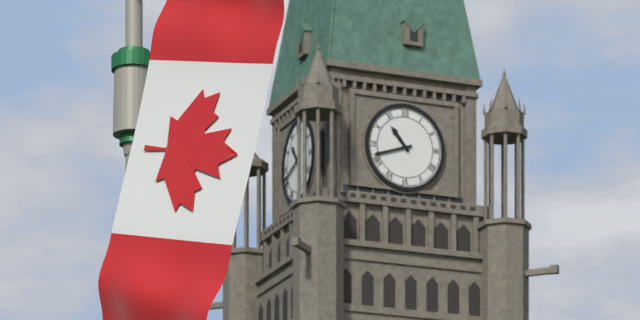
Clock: 10 h 42 min
